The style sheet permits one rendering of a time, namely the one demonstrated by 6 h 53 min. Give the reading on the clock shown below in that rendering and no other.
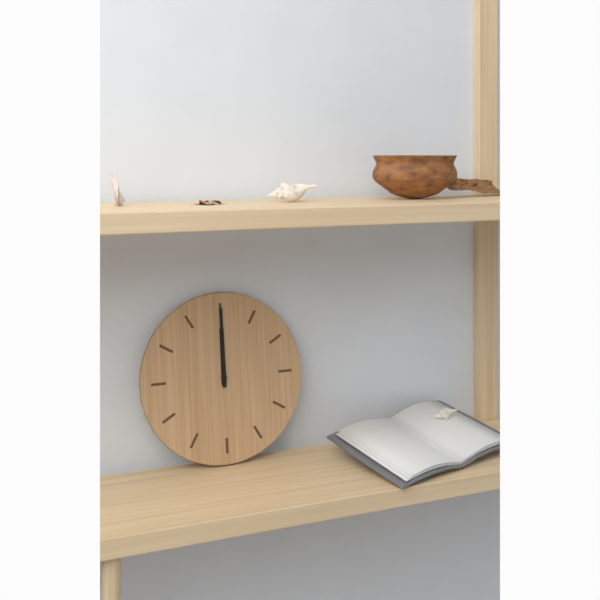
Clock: 12 h 00 min
